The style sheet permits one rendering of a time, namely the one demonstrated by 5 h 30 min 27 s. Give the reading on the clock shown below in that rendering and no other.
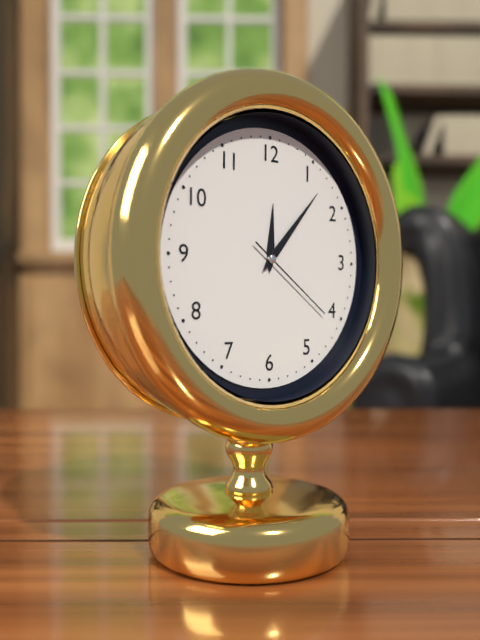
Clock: 12 h 07 min 21 s
